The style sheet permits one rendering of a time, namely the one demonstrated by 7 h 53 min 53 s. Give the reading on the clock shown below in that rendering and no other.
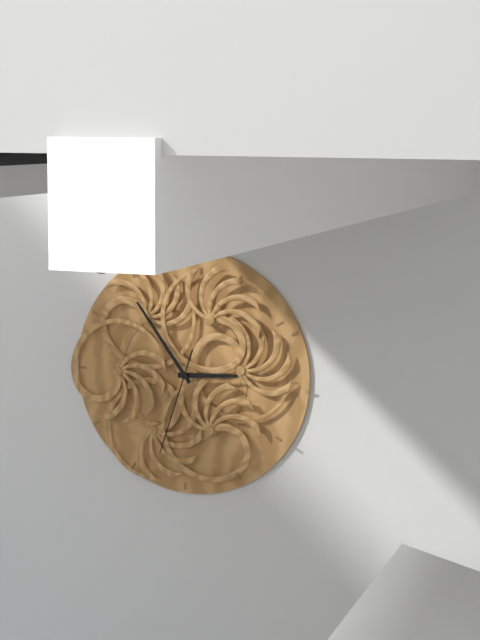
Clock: 2 h 54 min 33 s
